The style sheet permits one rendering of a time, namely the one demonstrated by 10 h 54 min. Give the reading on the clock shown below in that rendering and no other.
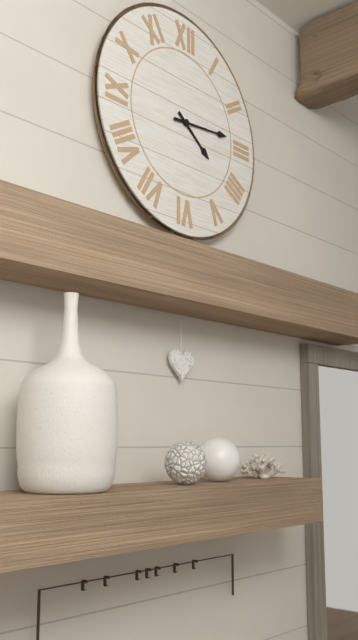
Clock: 4 h 14 min
